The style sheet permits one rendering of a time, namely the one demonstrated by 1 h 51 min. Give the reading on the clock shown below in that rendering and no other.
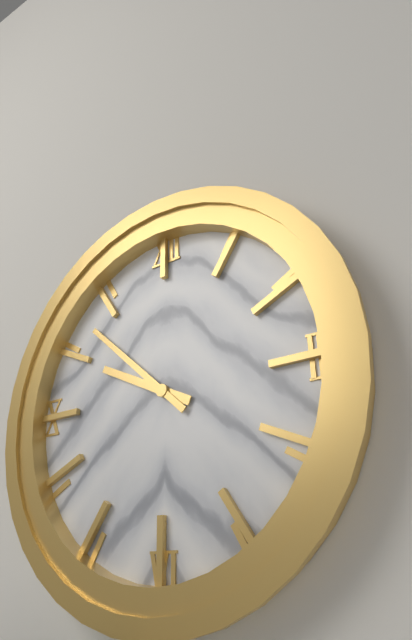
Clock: 9 h 52 min
